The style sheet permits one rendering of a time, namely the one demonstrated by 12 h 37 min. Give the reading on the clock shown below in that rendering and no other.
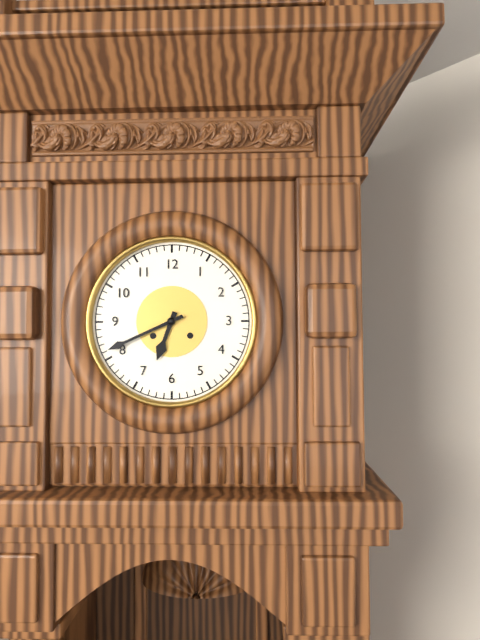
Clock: 6 h 41 min
